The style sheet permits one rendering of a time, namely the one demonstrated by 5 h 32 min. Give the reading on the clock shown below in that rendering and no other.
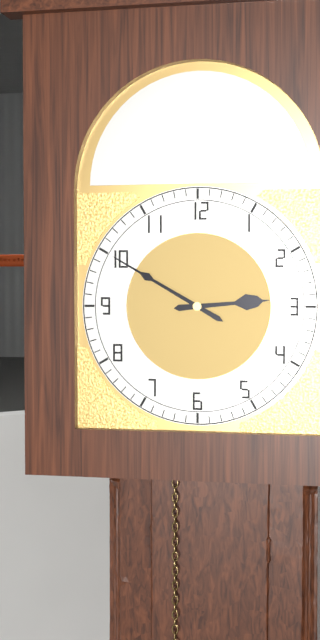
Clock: 2 h 50 min
